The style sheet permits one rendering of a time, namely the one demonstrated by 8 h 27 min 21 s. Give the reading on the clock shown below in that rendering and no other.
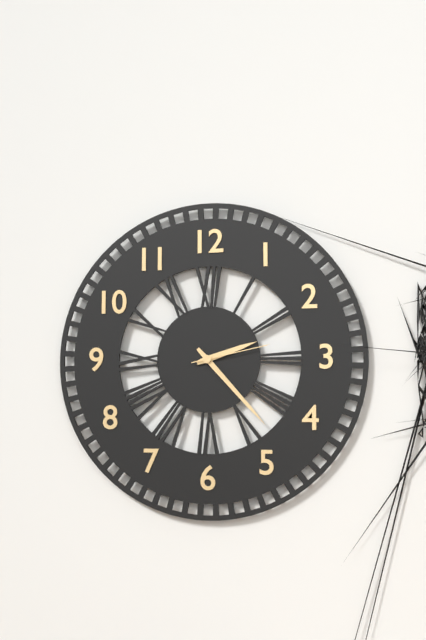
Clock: 2 h 23 min 13 s
